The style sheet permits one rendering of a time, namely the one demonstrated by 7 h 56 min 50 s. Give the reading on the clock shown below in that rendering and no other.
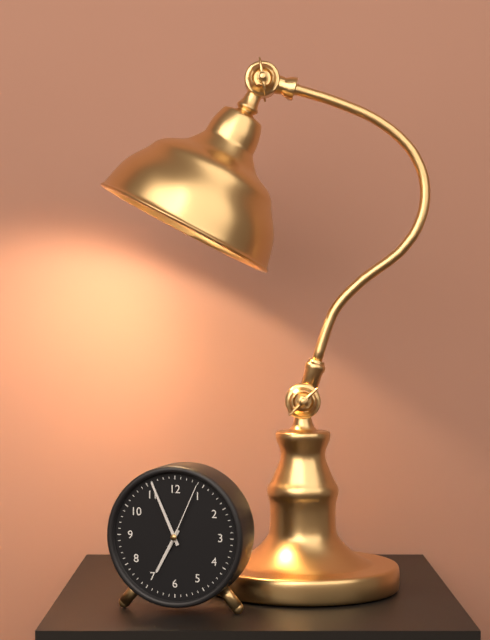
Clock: 6 h 56 min 04 s
